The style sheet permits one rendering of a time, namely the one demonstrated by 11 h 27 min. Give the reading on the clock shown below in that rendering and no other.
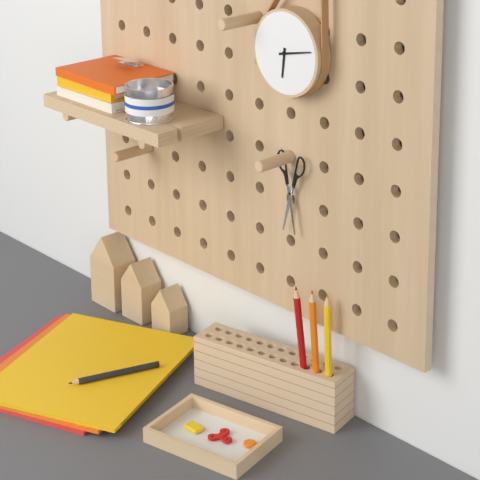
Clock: 6 h 13 min
